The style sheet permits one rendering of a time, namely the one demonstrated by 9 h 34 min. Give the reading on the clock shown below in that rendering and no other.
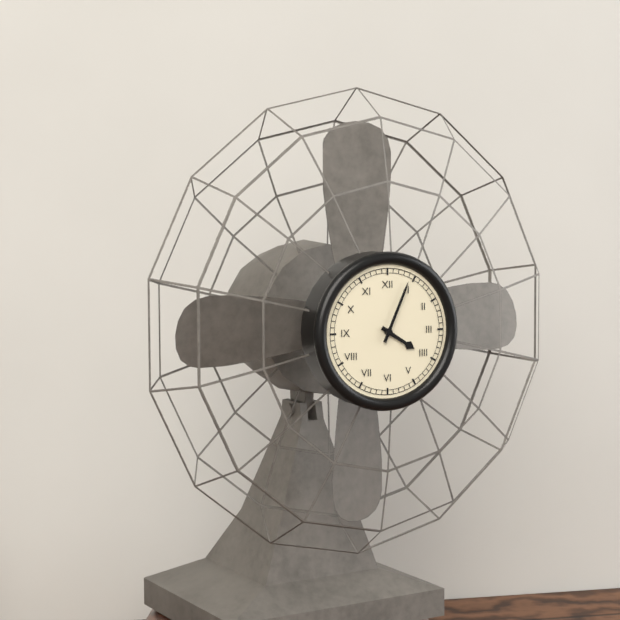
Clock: 4 h 04 min
